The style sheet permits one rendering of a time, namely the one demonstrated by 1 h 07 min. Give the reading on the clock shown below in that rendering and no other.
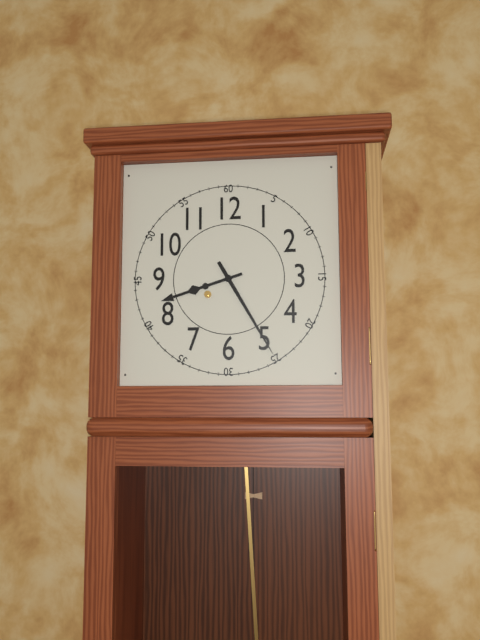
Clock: 8 h 25 min
